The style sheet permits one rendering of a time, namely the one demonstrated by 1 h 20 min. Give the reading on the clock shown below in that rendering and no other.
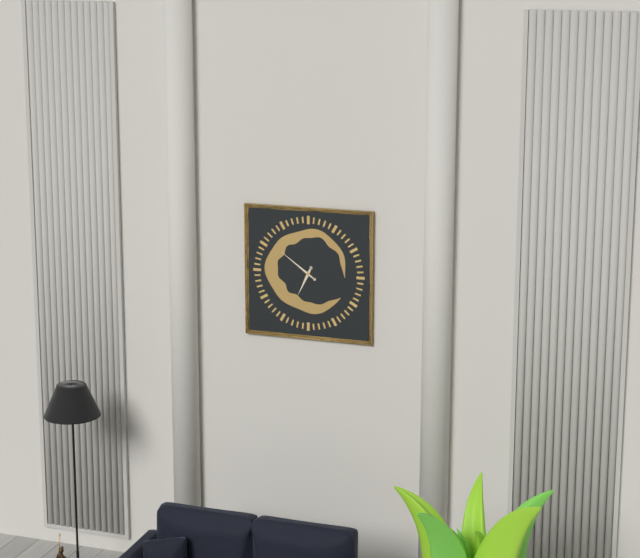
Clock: 6 h 51 min
